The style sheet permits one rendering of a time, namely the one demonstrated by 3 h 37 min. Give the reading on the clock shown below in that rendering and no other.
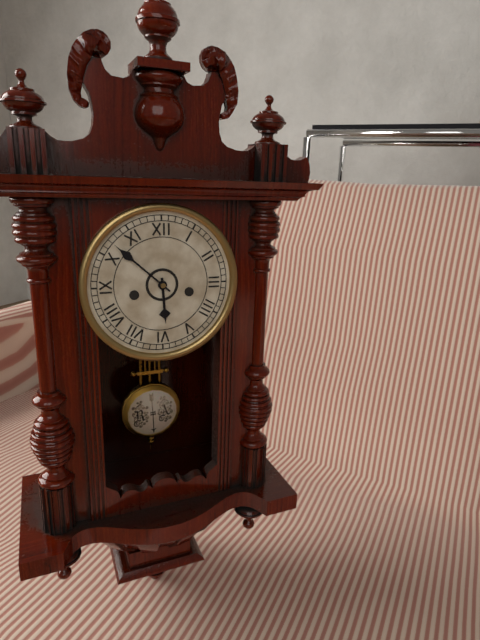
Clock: 5 h 52 min
